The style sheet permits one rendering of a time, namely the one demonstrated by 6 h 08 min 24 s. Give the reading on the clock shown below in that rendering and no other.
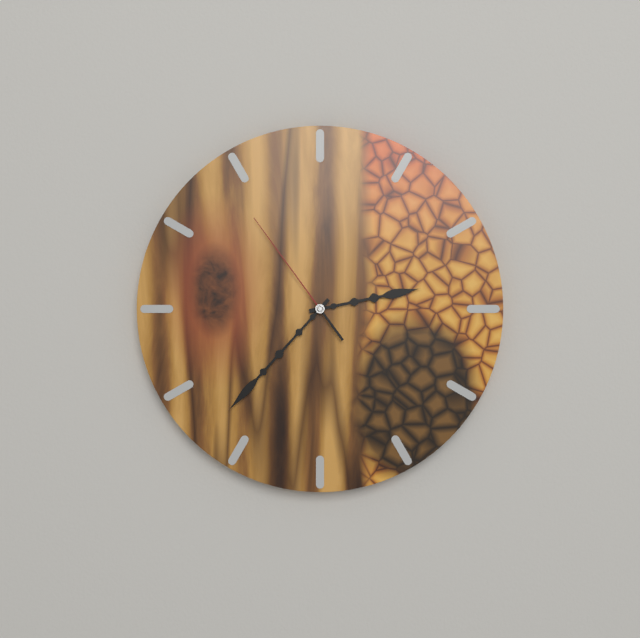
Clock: 2 h 37 min 54 s
